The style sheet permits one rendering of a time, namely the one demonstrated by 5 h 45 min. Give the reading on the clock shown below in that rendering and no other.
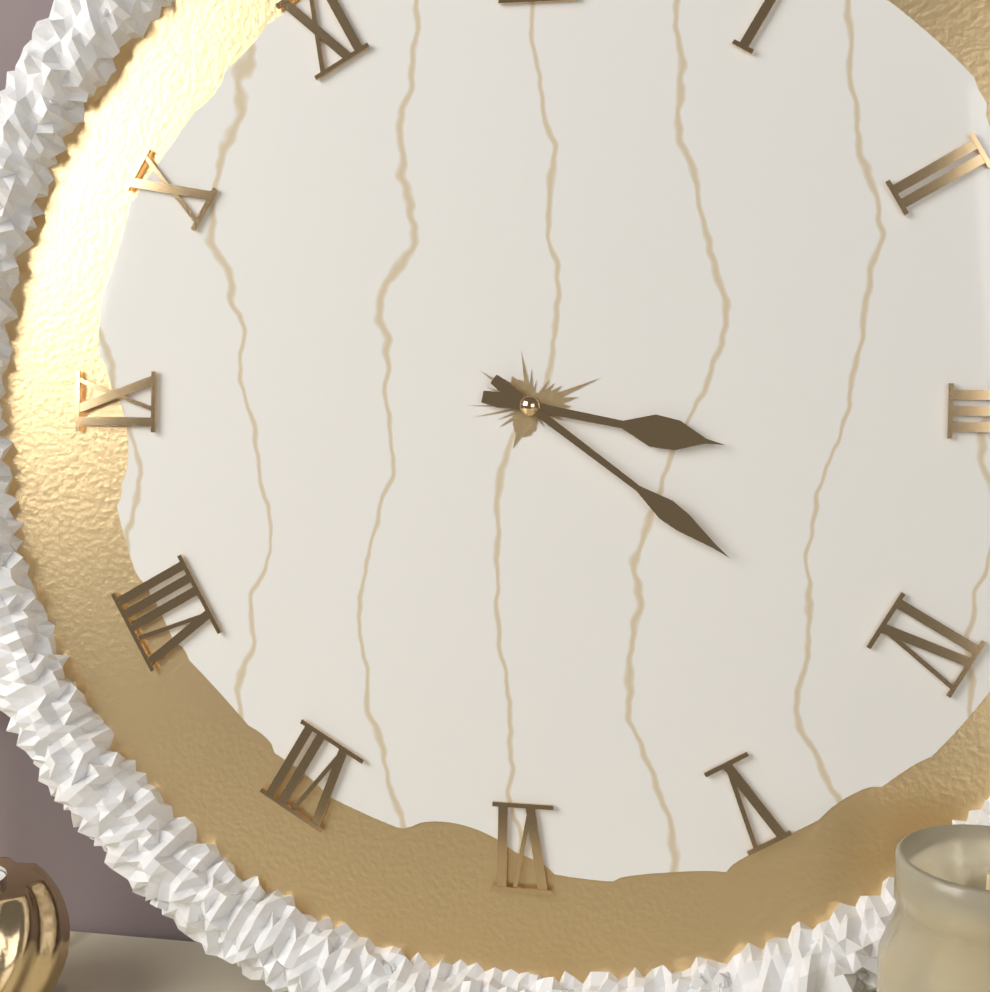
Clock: 3 h 21 min
